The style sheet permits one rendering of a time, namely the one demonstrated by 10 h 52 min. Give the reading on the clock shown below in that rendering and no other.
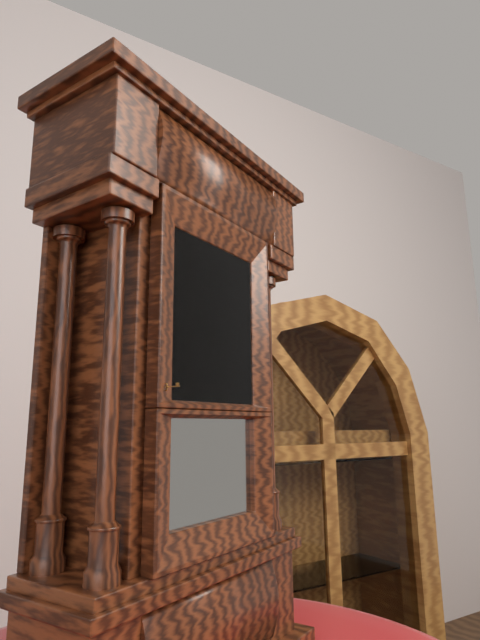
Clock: 8 h 58 min
